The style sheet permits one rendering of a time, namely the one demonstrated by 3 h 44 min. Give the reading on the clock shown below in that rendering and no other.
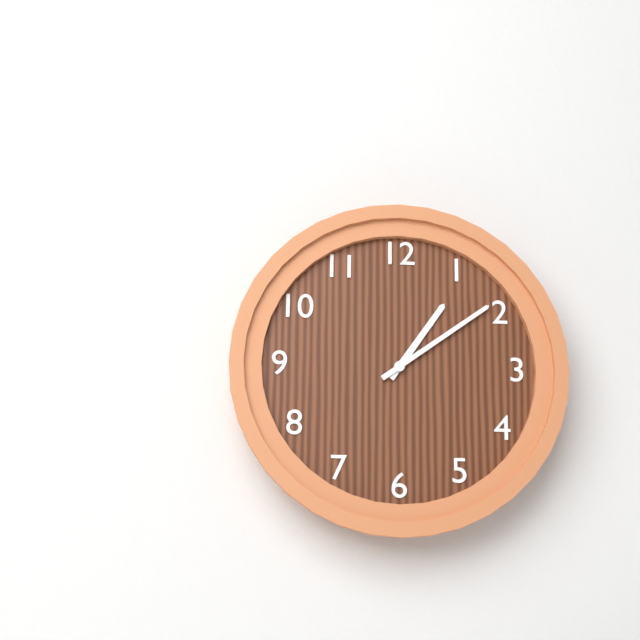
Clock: 1 h 09 min
